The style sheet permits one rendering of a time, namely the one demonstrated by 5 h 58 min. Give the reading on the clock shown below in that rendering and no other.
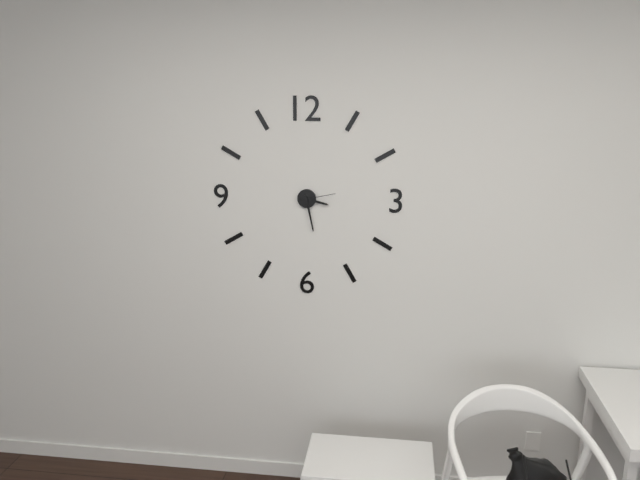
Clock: 3 h 28 min
